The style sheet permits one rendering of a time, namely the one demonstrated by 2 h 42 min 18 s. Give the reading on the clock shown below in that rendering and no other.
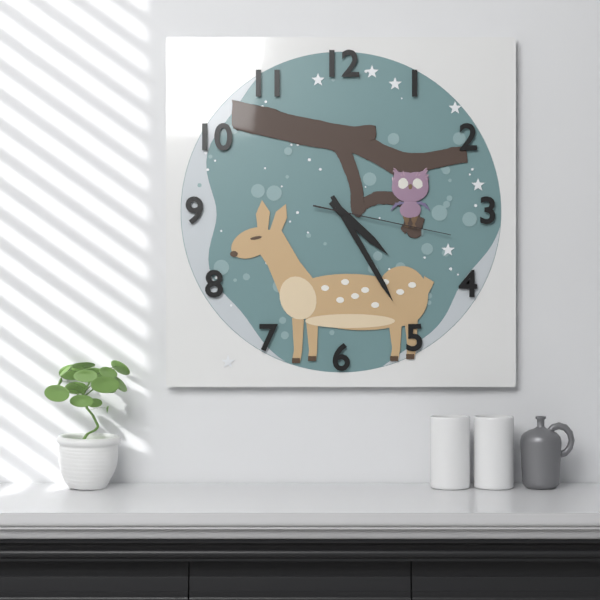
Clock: 4 h 25 min 17 s
